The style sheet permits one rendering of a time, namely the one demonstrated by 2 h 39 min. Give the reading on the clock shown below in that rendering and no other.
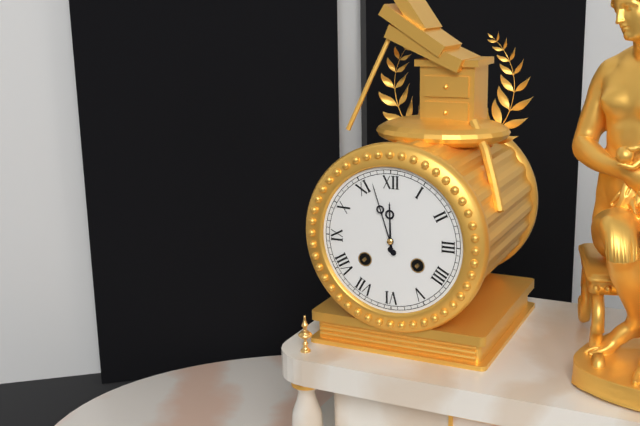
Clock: 11 h 57 min
